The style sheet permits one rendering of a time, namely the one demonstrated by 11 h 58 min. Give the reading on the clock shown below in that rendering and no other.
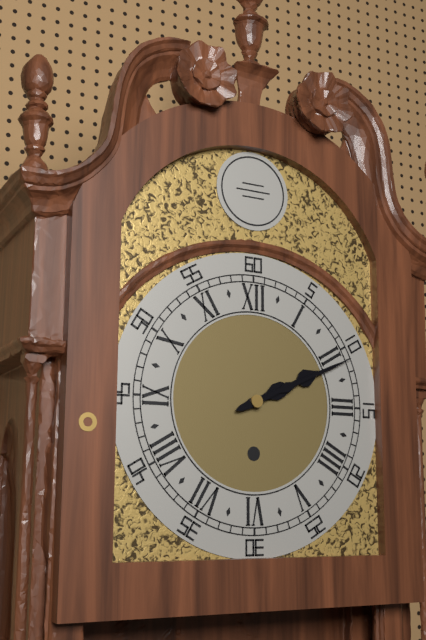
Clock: 2 h 11 min
